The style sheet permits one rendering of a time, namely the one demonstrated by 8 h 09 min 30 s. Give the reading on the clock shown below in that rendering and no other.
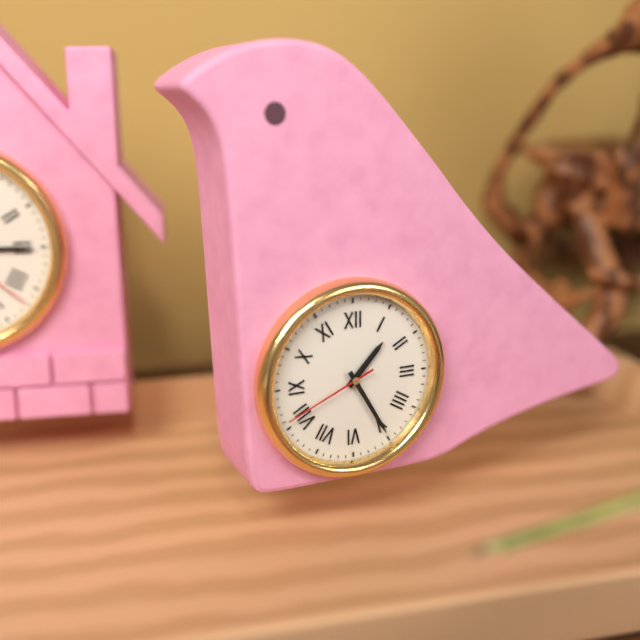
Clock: 1 h 25 min 41 s
